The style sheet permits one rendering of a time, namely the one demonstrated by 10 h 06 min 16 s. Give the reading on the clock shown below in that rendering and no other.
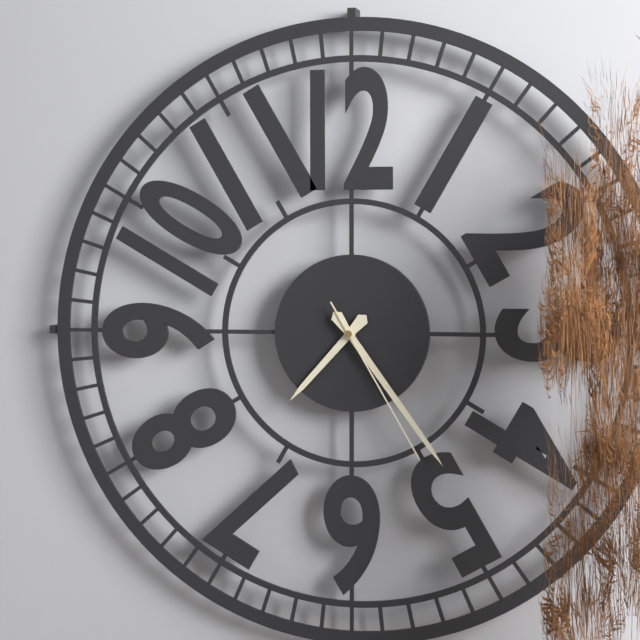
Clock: 7 h 24 min 25 s
